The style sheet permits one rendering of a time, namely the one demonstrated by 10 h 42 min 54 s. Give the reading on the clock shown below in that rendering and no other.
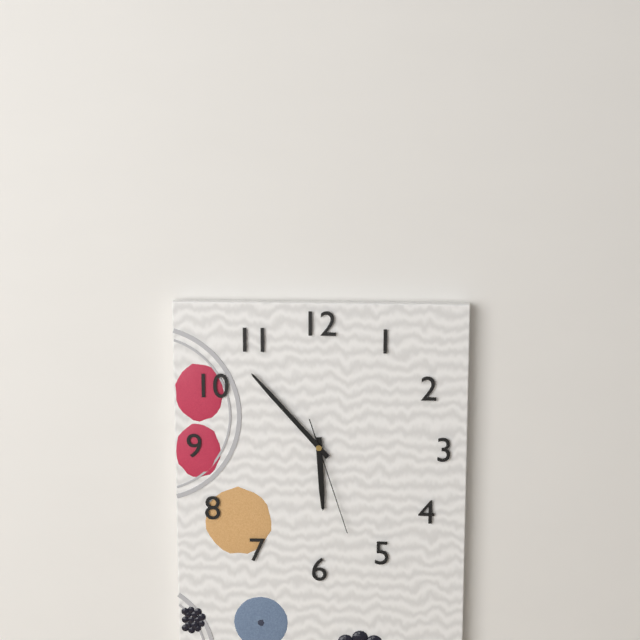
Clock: 5 h 53 min 27 s
